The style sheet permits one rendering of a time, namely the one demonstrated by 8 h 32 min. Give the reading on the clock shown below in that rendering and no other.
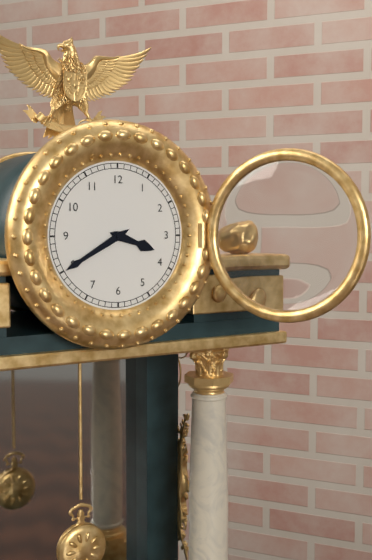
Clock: 3 h 40 min
